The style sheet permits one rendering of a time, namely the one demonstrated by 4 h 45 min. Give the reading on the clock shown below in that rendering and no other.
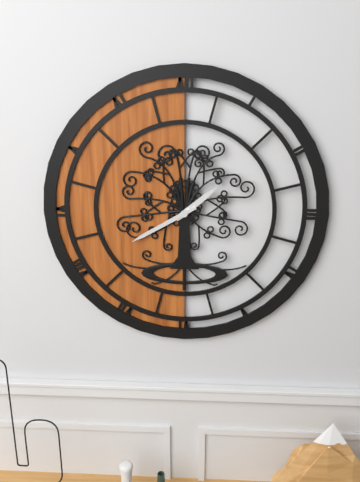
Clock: 1 h 40 min
